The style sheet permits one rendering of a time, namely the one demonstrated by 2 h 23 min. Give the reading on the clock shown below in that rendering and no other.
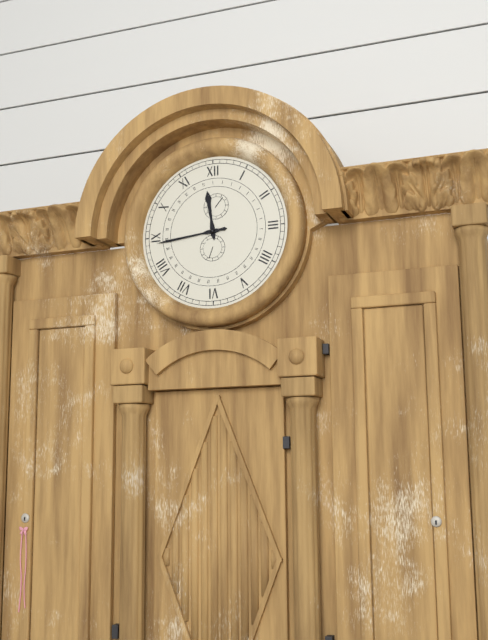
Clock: 11 h 44 min
